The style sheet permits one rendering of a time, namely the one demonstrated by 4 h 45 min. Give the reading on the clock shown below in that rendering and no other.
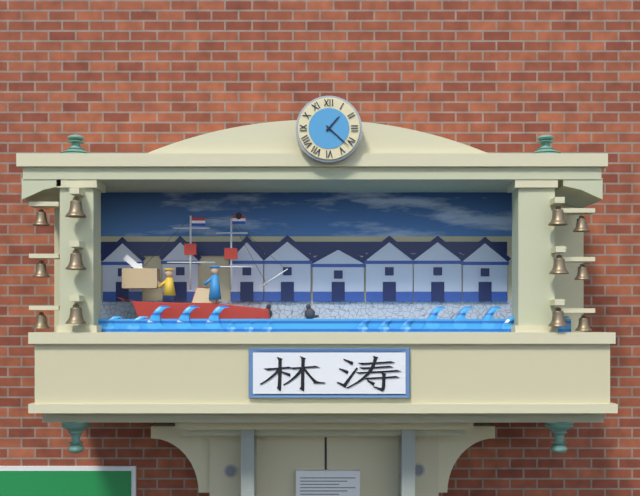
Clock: 1 h 22 min
